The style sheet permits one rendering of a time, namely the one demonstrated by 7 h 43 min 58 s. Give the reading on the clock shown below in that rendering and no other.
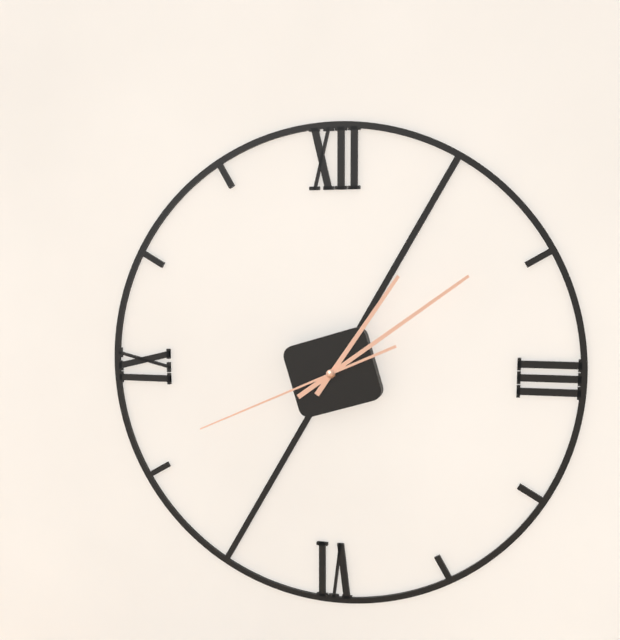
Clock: 1 h 09 min 41 s
